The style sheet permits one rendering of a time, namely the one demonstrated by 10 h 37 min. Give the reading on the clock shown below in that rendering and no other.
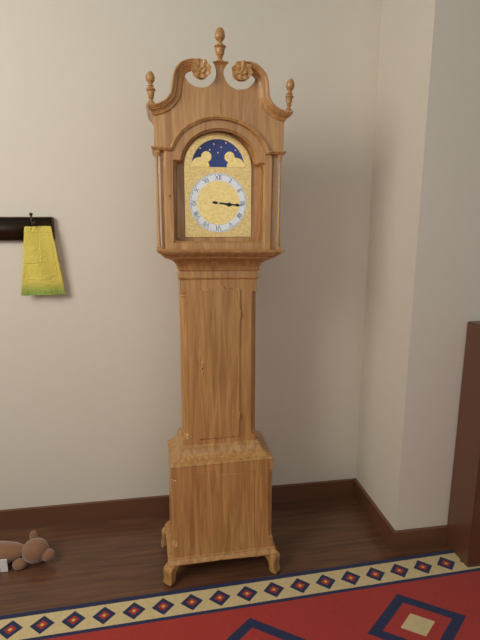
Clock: 3 h 16 min
